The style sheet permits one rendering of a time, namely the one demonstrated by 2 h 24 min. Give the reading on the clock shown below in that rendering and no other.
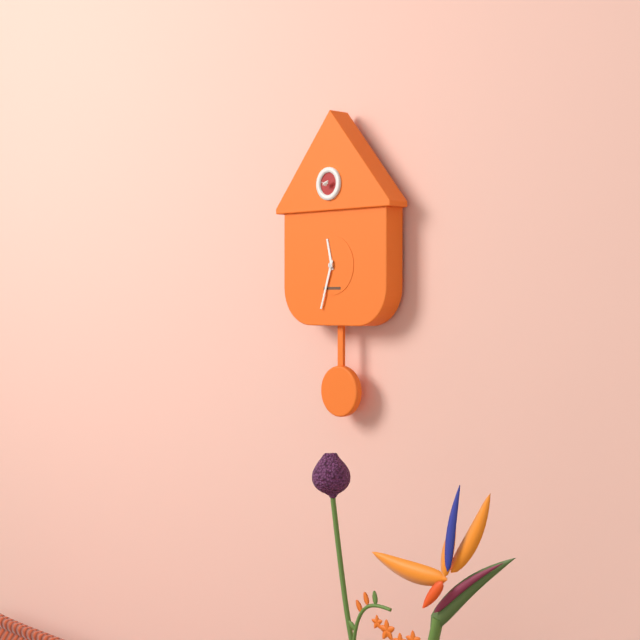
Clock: 11 h 33 min
